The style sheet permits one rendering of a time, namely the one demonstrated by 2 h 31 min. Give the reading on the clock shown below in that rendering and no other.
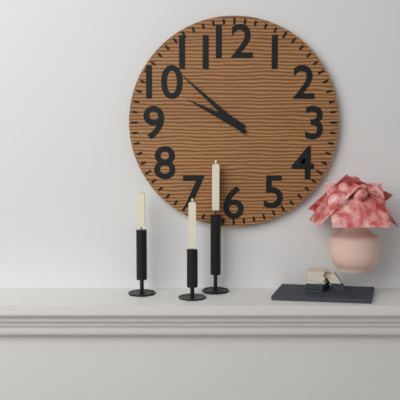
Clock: 9 h 52 min
